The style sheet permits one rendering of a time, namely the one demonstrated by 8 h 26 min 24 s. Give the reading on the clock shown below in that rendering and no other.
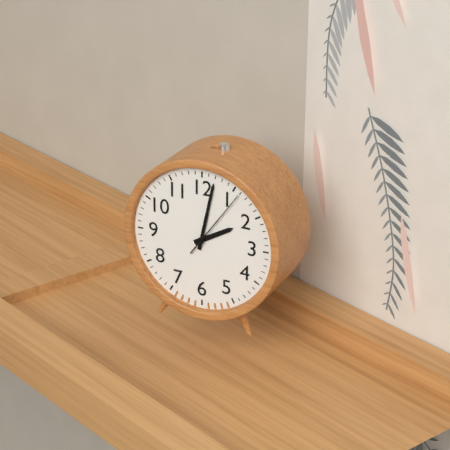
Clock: 2 h 02 min 06 s
